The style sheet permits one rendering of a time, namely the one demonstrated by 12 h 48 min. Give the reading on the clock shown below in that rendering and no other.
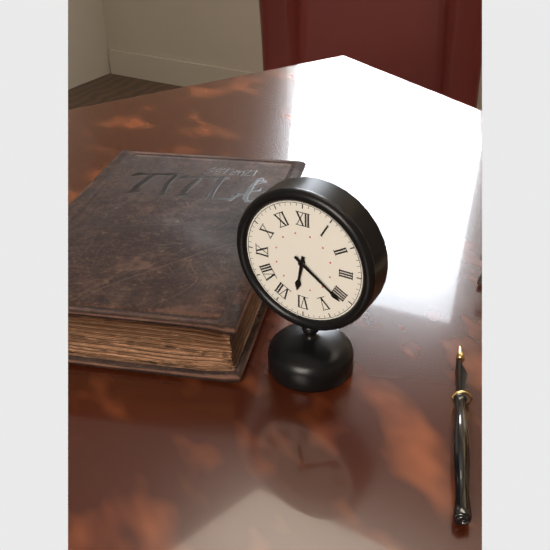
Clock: 6 h 21 min
